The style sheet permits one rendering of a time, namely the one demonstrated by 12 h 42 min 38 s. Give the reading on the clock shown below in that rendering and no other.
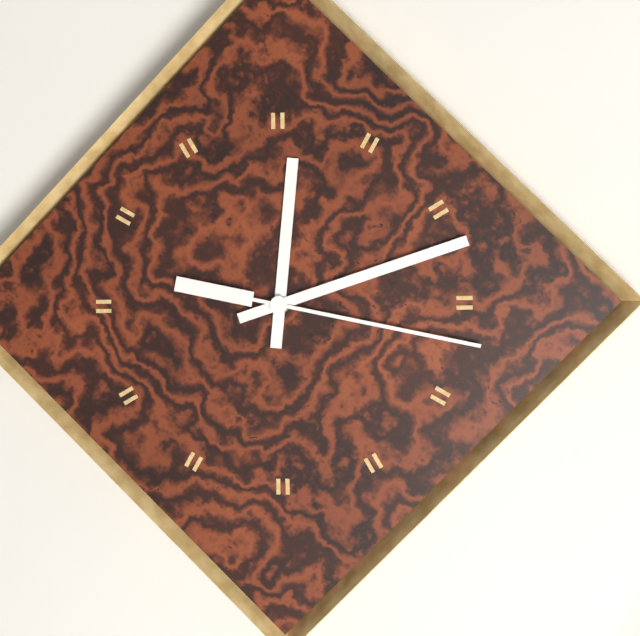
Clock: 12 h 12 min 17 s
